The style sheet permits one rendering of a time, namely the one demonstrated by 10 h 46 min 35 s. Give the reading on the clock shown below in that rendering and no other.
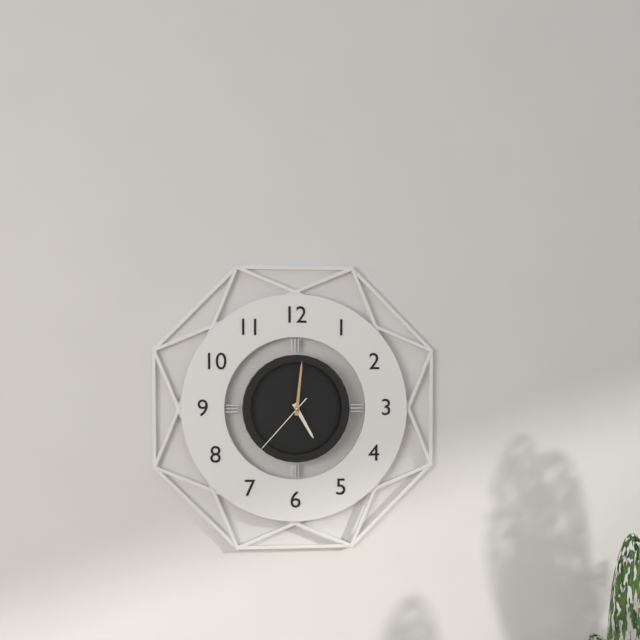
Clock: 5 h 01 min 37 s
